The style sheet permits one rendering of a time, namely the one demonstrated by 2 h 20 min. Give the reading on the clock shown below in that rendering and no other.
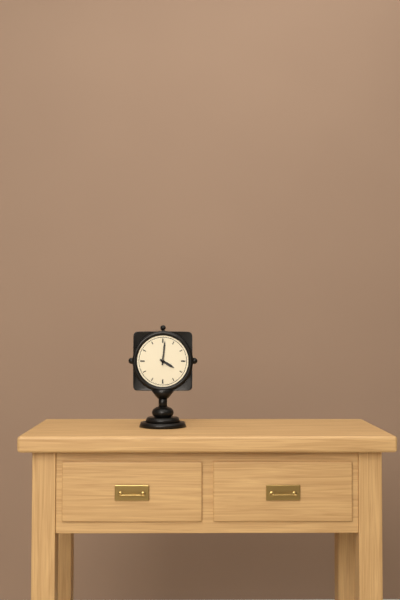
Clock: 4 h 01 min
